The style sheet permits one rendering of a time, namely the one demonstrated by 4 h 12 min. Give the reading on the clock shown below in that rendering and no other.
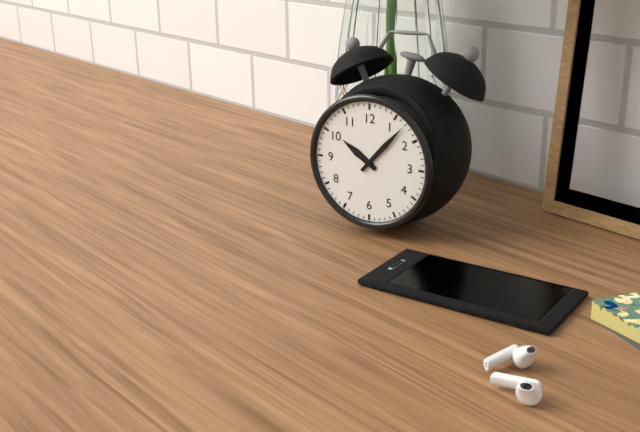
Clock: 10 h 07 min
